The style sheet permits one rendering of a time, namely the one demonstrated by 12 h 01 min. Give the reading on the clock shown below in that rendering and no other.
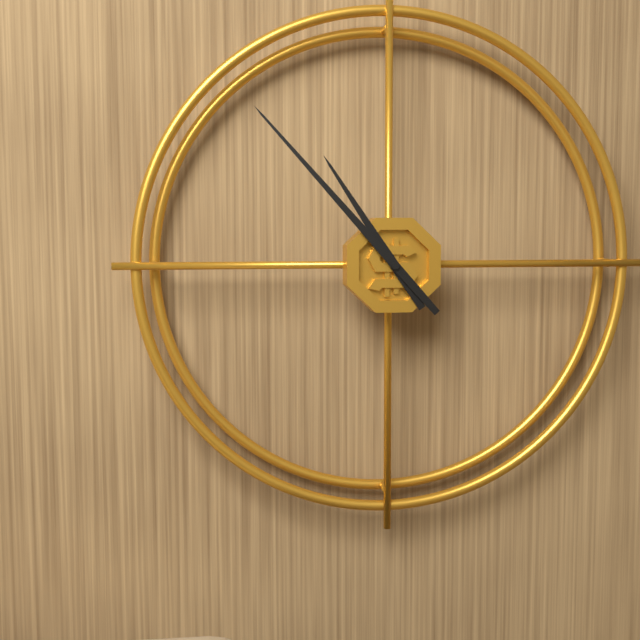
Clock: 10 h 53 min
